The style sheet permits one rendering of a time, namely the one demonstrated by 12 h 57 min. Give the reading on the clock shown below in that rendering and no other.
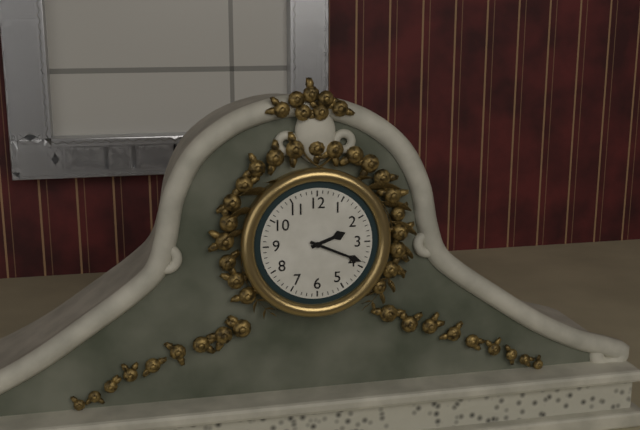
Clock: 2 h 19 min
